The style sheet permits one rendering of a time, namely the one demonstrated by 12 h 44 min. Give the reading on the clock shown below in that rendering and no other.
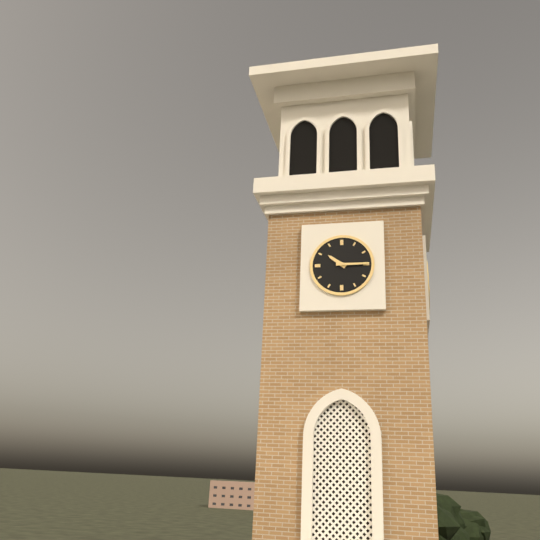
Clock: 10 h 15 min
